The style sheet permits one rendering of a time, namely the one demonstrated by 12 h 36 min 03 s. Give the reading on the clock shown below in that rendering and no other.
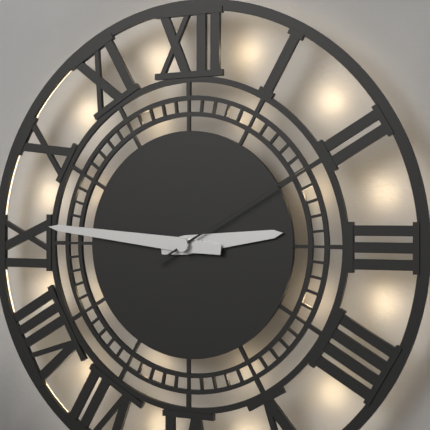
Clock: 2 h 46 min 10 s
